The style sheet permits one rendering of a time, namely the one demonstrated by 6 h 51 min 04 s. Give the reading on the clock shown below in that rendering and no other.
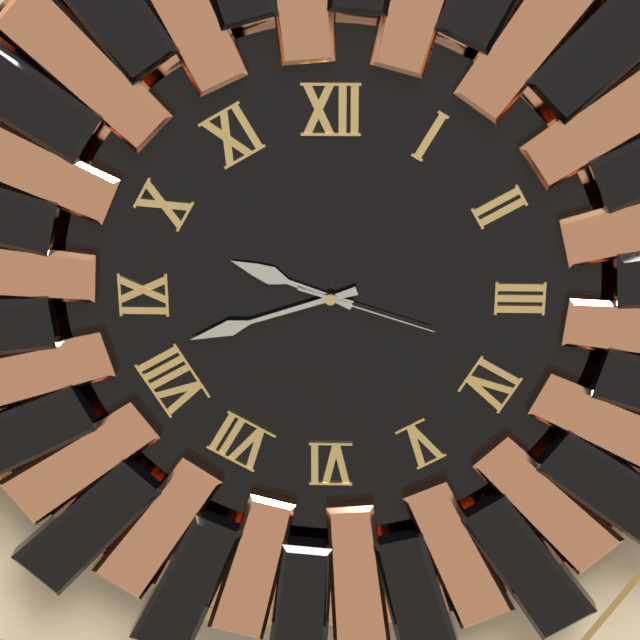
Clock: 9 h 42 min 18 s
